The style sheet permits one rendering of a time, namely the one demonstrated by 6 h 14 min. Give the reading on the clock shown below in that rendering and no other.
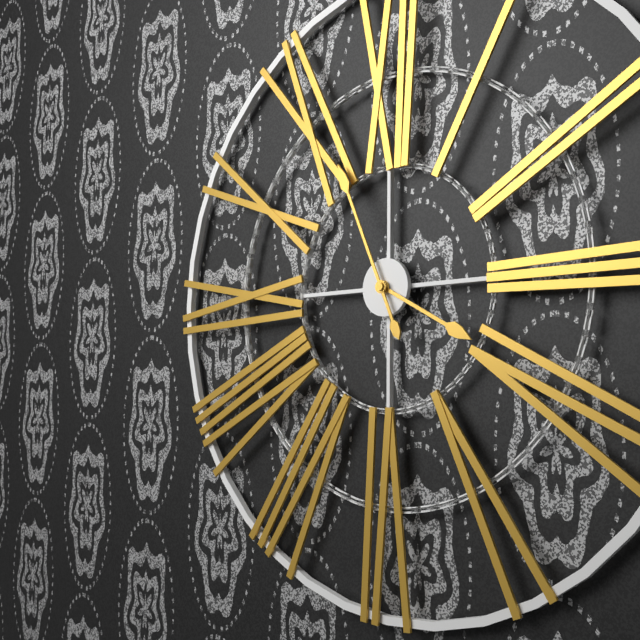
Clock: 3 h 56 min
